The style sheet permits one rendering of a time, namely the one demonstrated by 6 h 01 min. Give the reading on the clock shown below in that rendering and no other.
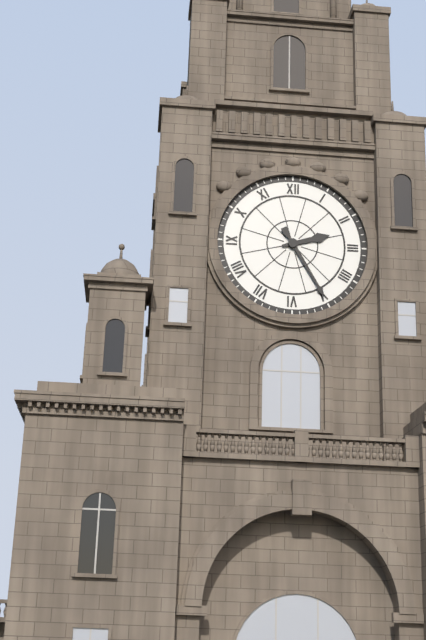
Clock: 2 h 25 min
